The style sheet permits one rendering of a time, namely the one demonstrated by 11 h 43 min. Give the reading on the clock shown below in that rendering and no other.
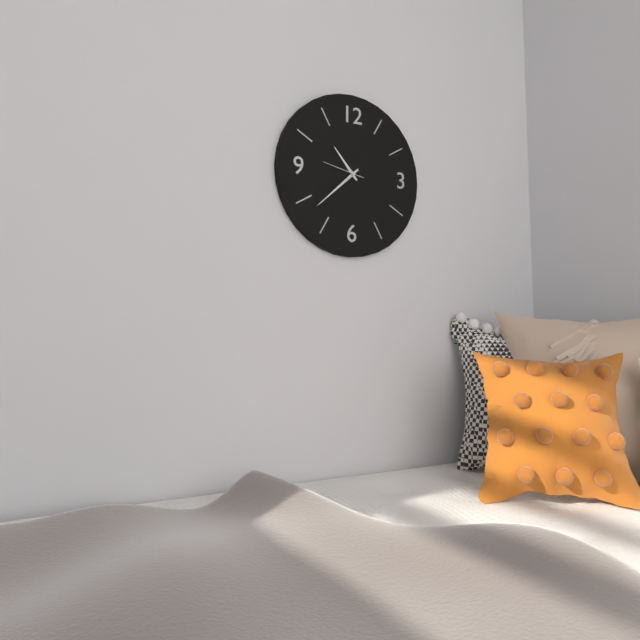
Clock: 10 h 38 min
